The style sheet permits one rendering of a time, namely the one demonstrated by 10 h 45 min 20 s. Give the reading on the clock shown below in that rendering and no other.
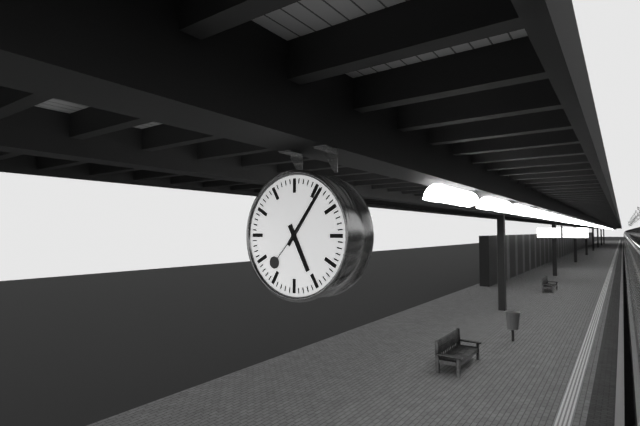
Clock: 5 h 06 min 37 s
